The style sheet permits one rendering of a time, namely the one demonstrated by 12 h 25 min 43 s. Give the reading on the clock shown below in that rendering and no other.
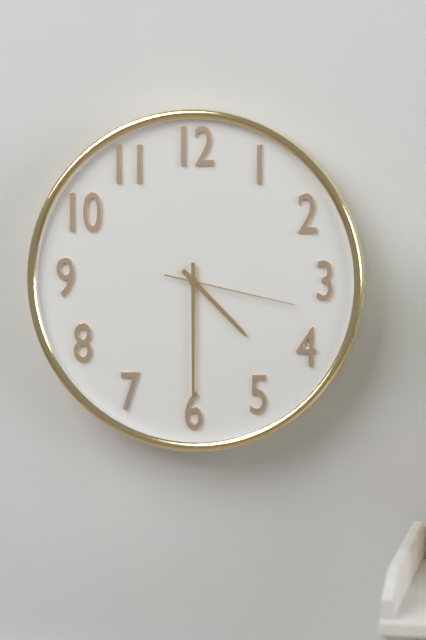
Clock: 4 h 30 min 17 s
